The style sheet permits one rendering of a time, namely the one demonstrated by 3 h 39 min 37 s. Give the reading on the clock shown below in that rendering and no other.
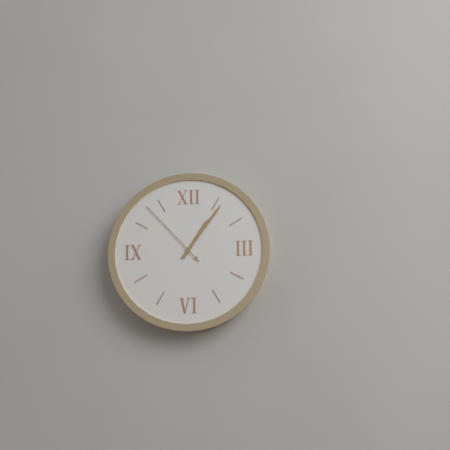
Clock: 1 h 06 min 53 s
